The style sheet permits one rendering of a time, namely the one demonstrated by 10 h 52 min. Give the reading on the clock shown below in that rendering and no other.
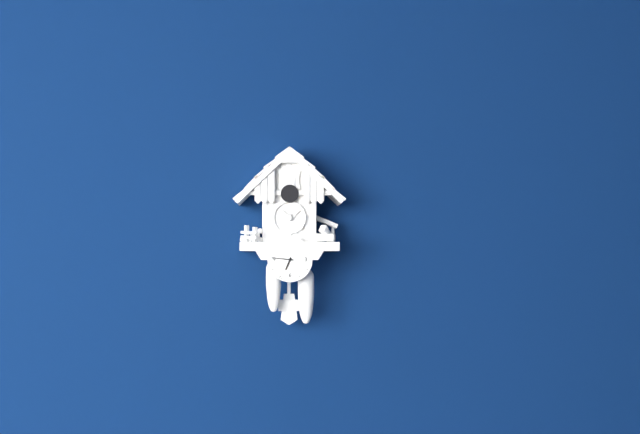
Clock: 6 h 46 min
